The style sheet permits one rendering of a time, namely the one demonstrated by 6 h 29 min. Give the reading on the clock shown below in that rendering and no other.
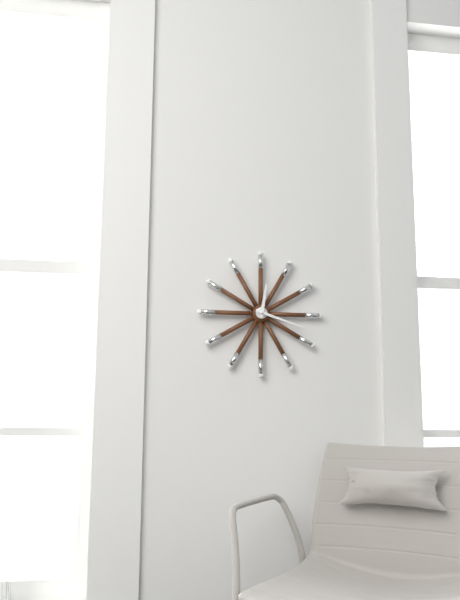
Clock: 12 h 18 min
